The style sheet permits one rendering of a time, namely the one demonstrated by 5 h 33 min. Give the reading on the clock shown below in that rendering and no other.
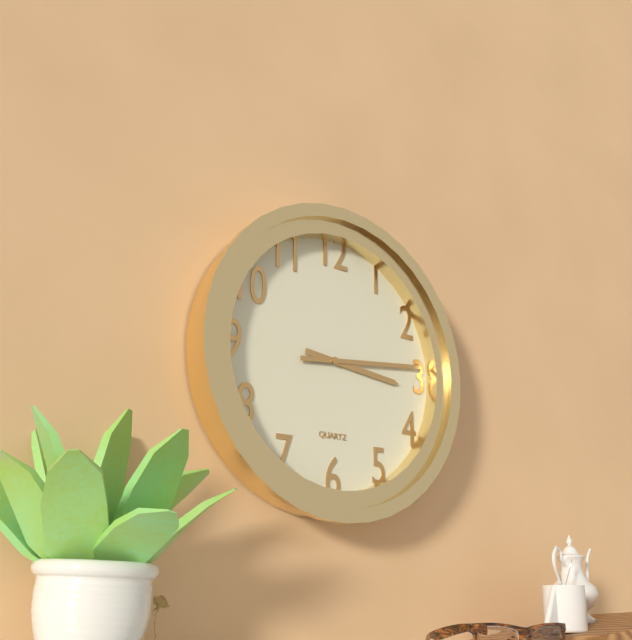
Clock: 3 h 14 min
